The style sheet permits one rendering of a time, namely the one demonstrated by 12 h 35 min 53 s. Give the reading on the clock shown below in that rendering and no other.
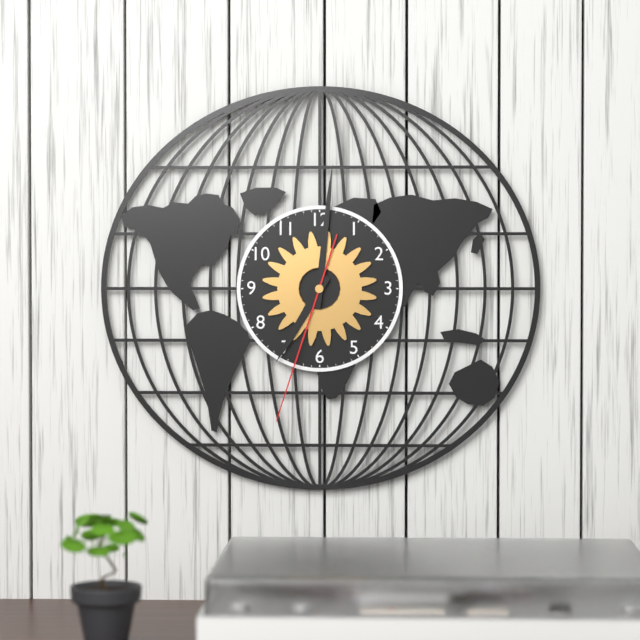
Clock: 7 h 01 min 33 s
